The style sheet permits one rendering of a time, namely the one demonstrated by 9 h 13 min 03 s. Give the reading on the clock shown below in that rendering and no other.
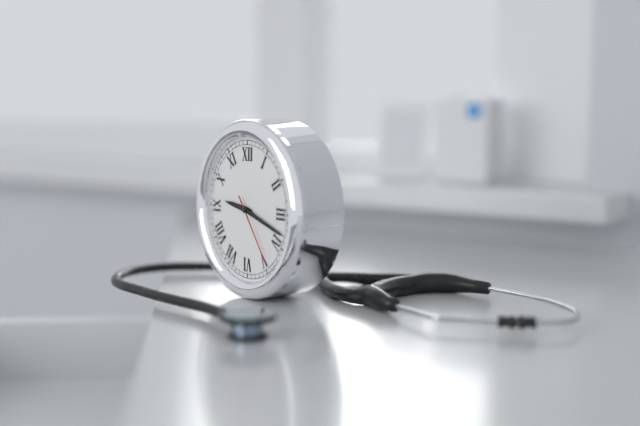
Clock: 9 h 18 min 24 s
